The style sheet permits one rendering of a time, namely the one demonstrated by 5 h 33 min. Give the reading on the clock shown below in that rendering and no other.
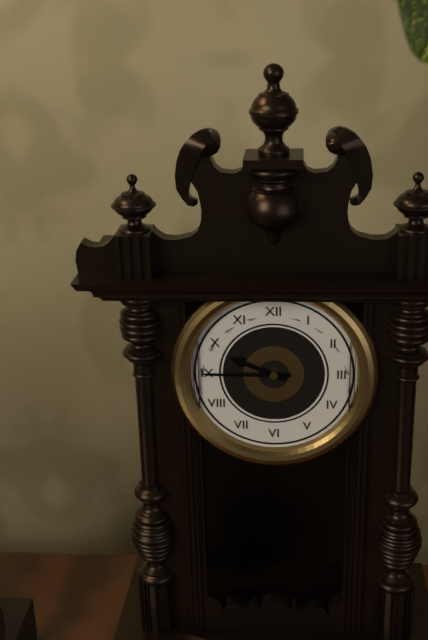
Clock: 9 h 45 min
